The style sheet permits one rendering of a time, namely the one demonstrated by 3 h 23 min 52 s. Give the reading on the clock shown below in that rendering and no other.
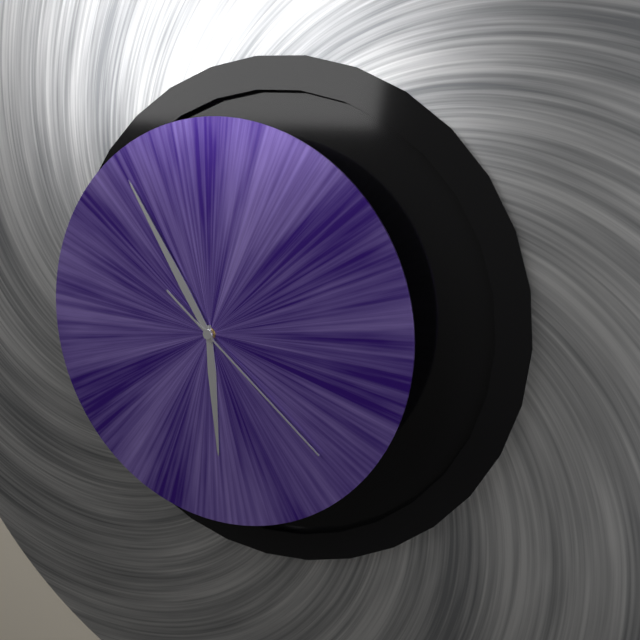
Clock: 5 h 55 min 22 s
